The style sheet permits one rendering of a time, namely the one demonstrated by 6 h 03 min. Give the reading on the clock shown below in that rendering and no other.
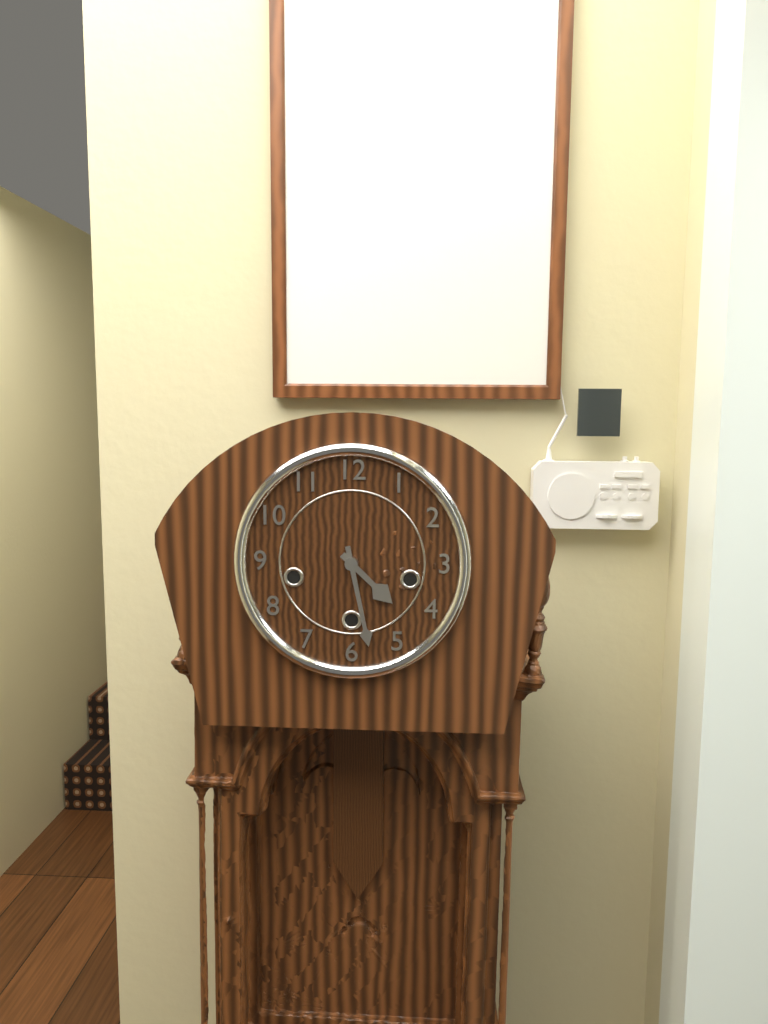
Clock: 4 h 28 min
